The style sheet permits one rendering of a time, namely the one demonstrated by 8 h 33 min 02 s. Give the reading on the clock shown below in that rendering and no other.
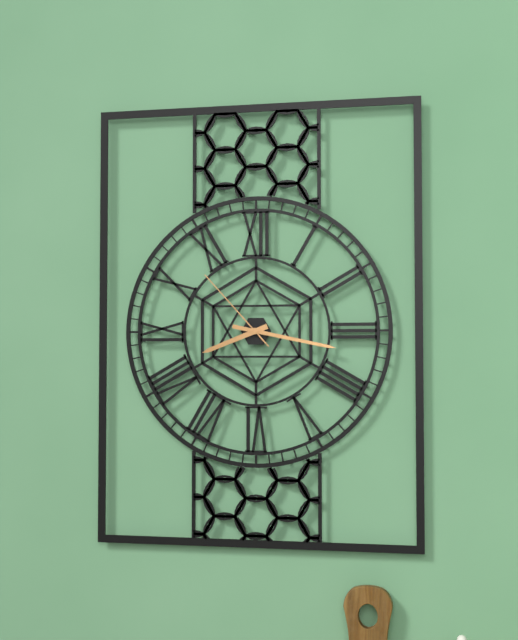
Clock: 8 h 17 min 53 s
